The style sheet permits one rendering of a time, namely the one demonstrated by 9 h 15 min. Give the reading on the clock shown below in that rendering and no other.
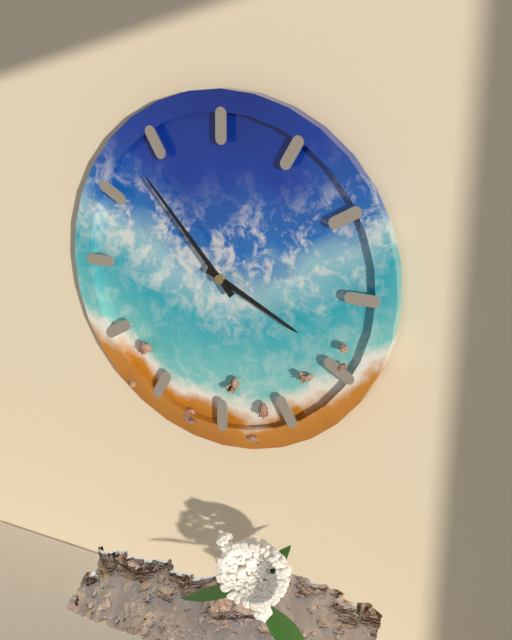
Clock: 3 h 53 min
